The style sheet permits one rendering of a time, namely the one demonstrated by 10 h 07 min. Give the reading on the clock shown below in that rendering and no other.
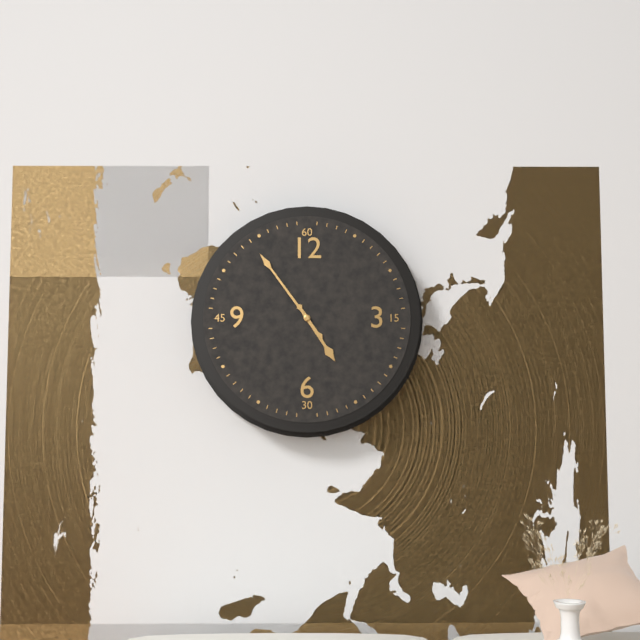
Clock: 4 h 54 min
